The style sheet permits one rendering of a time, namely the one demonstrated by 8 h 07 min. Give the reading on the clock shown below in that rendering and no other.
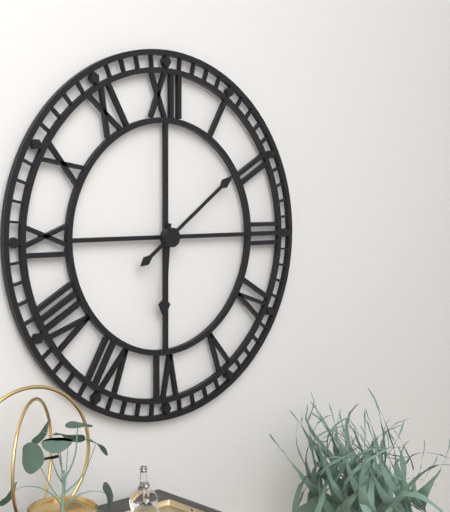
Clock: 6 h 09 min
